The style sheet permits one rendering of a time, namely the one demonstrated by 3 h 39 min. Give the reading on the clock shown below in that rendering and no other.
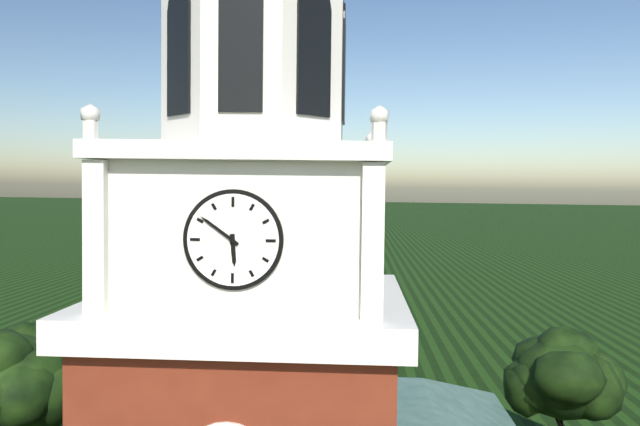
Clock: 5 h 51 min
